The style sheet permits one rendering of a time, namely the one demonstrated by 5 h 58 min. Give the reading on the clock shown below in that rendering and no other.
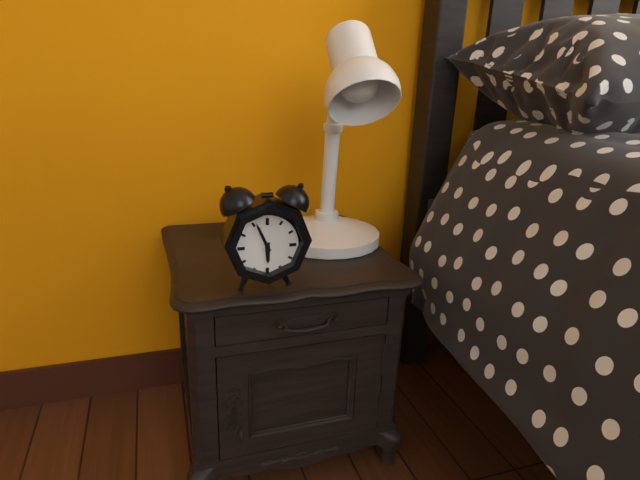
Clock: 5 h 56 min
